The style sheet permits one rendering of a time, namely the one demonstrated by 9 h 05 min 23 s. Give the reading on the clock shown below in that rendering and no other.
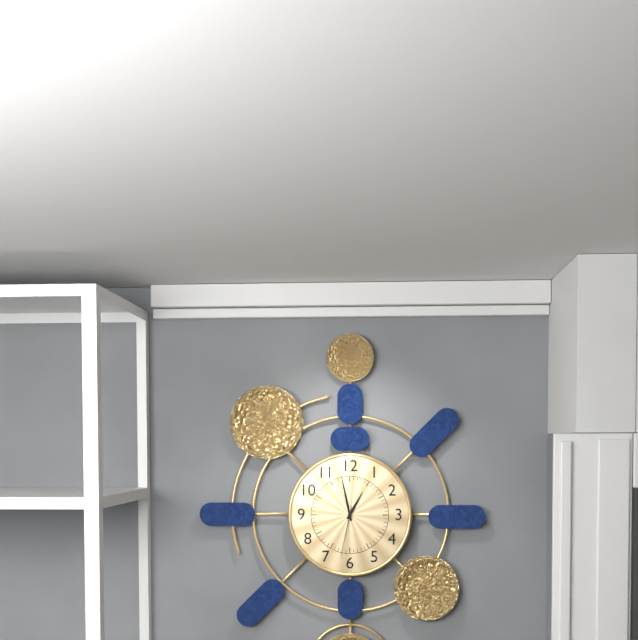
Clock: 12 h 58 min 32 s
